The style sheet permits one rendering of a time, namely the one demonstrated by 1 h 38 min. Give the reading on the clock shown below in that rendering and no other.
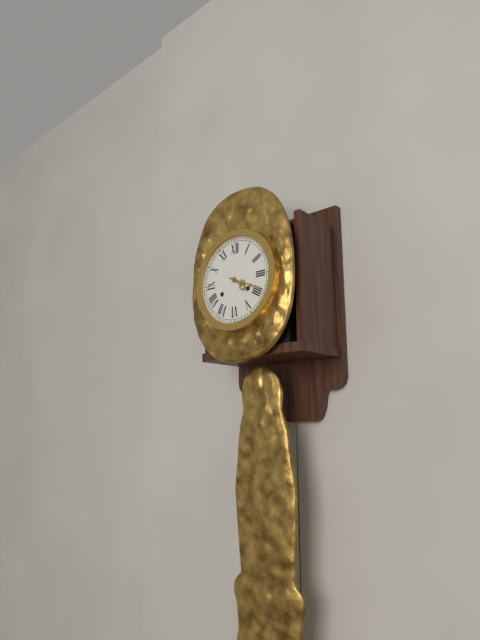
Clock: 4 h 19 min
